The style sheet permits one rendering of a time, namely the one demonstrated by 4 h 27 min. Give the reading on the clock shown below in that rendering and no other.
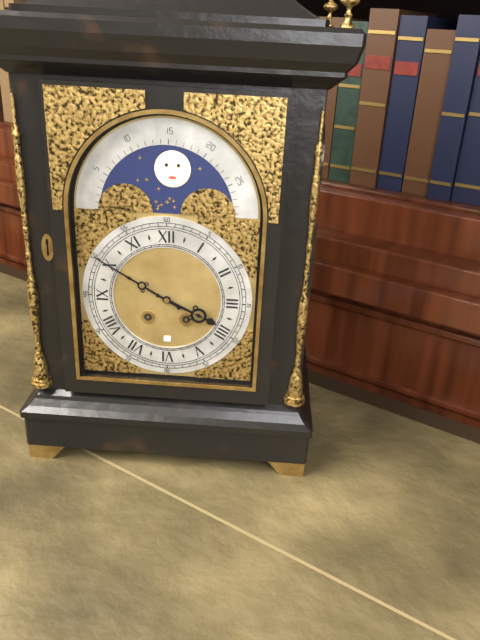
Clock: 3 h 50 min
